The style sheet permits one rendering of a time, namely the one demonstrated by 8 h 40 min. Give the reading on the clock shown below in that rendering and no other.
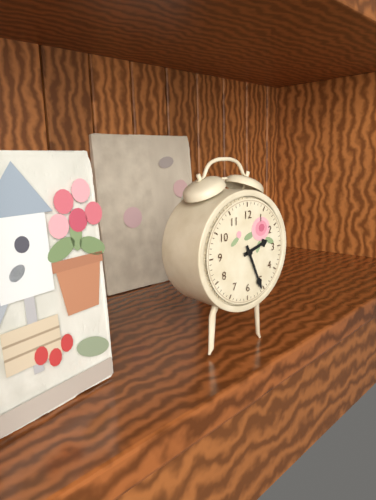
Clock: 2 h 26 min
